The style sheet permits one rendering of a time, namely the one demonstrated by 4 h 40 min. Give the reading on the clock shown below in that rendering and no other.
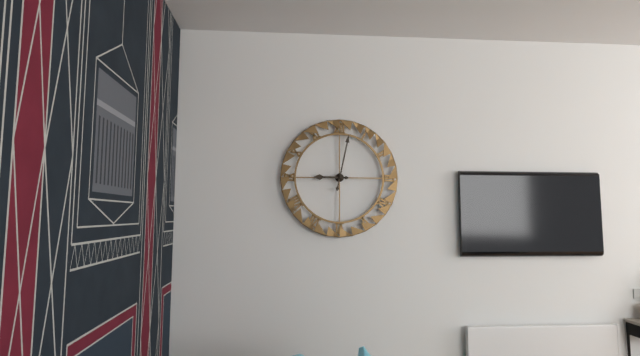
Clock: 9 h 02 min
